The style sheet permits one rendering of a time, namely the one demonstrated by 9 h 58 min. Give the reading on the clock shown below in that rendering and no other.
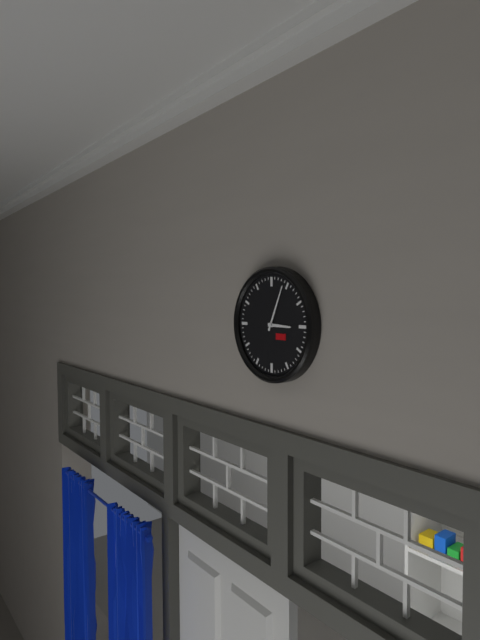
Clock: 3 h 04 min
